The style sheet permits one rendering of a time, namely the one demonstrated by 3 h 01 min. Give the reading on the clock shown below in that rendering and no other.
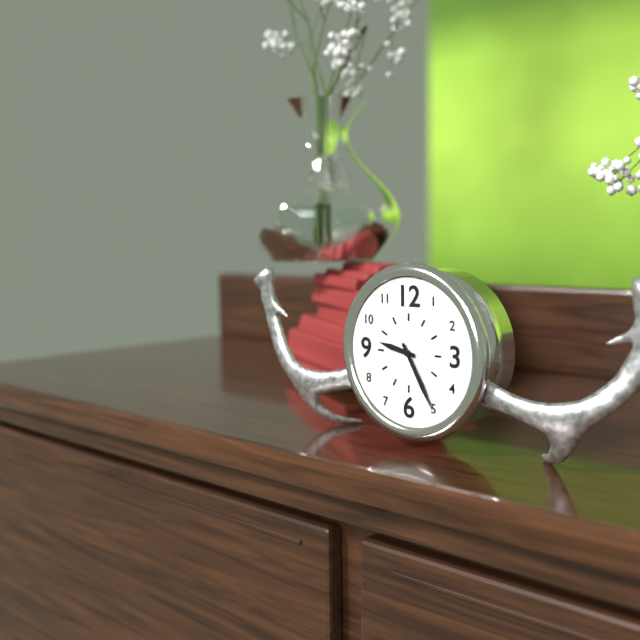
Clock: 9 h 25 min
